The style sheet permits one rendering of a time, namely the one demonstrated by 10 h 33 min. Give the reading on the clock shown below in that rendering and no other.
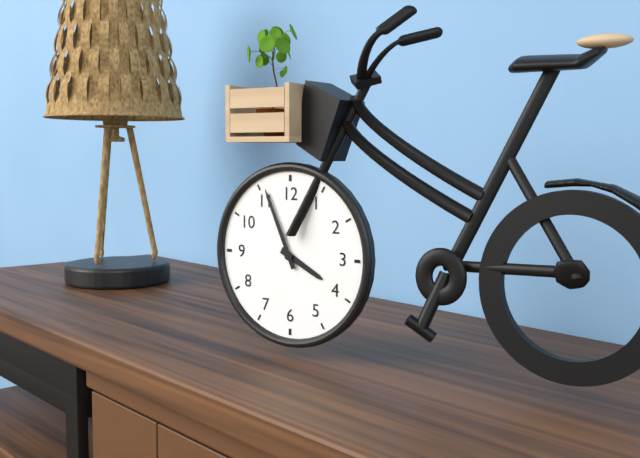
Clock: 3 h 56 min
